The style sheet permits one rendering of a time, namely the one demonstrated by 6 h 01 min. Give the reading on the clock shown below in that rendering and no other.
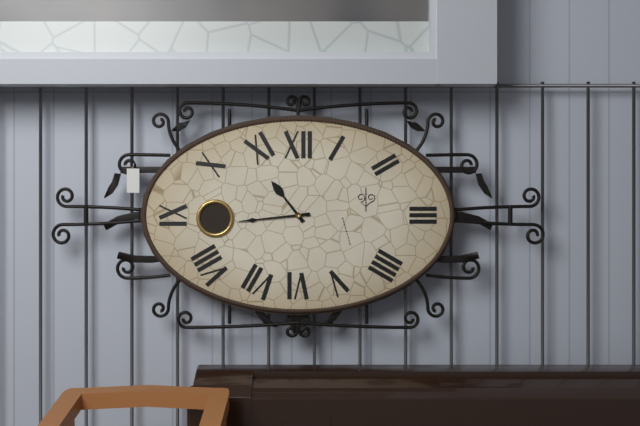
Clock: 10 h 44 min
